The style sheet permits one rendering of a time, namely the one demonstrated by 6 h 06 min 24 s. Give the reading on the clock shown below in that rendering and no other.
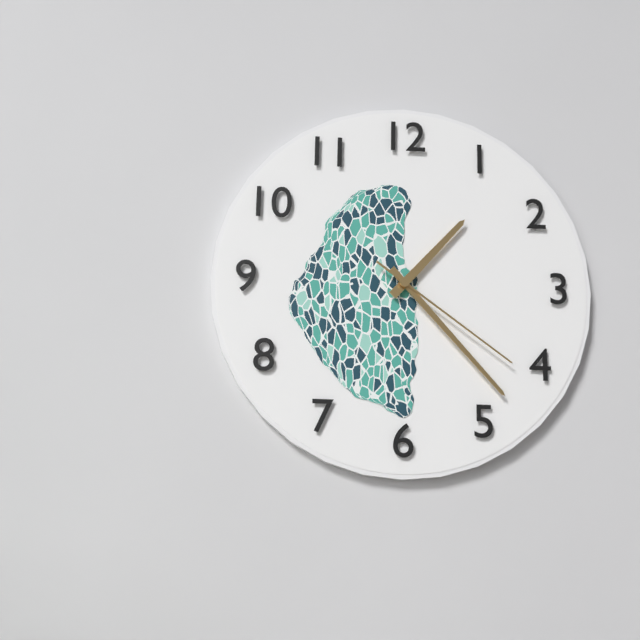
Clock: 1 h 23 min 21 s
